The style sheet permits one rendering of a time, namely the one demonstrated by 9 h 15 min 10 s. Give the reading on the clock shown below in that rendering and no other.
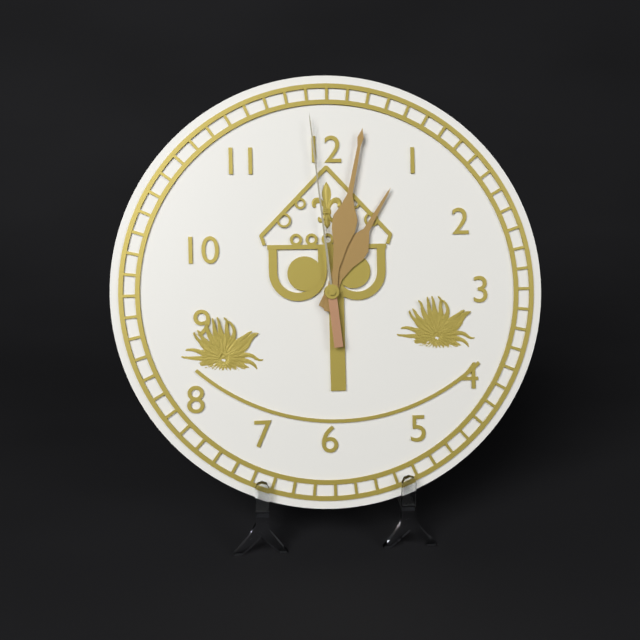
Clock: 1 h 02 min 59 s
